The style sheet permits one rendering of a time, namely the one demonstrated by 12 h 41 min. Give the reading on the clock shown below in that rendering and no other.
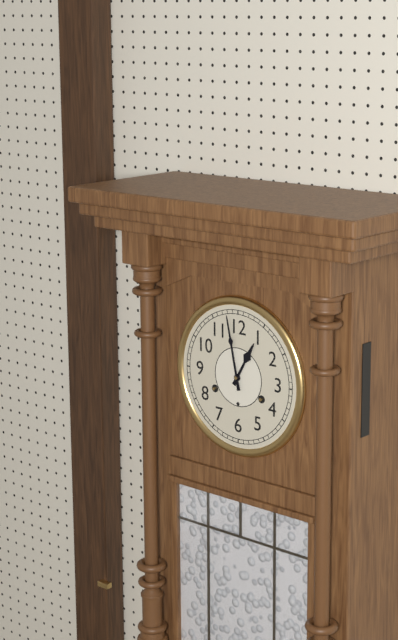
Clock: 12 h 58 min
